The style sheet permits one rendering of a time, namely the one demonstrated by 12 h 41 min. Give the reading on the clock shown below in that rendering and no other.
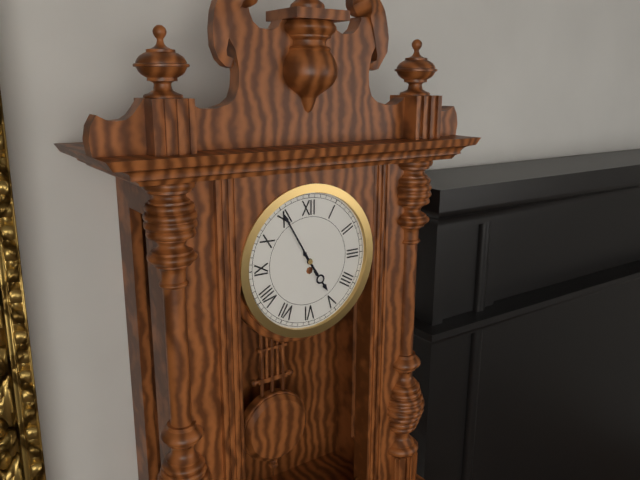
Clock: 4 h 55 min
